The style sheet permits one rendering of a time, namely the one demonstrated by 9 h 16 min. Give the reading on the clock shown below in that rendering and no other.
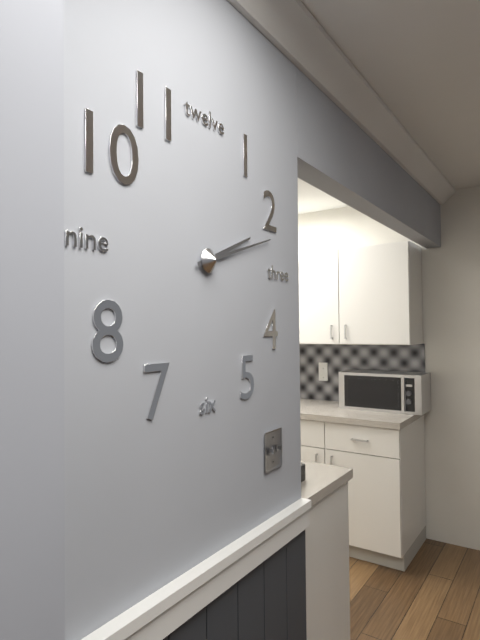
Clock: 2 h 12 min
